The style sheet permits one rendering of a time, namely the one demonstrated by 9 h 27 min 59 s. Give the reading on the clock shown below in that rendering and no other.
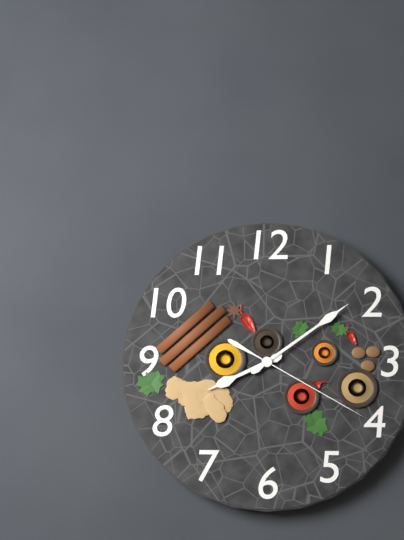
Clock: 8 h 09 min 20 s
